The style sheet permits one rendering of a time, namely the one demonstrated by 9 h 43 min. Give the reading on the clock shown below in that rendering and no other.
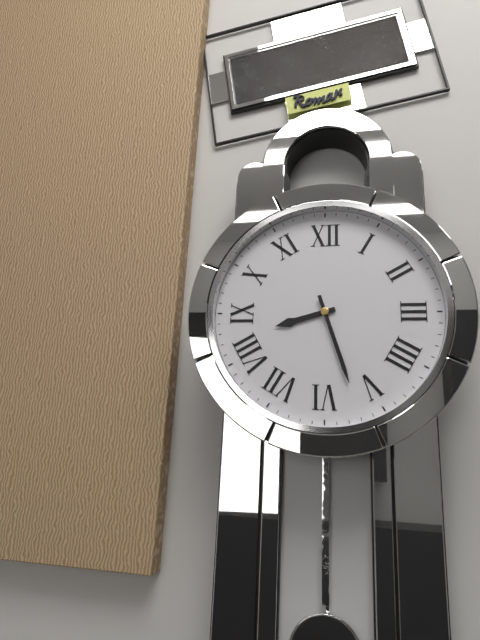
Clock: 8 h 27 min
